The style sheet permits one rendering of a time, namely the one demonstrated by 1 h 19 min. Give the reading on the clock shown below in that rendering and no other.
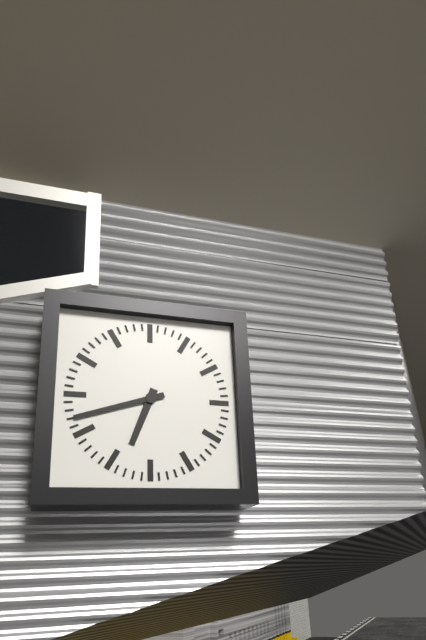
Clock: 6 h 42 min
